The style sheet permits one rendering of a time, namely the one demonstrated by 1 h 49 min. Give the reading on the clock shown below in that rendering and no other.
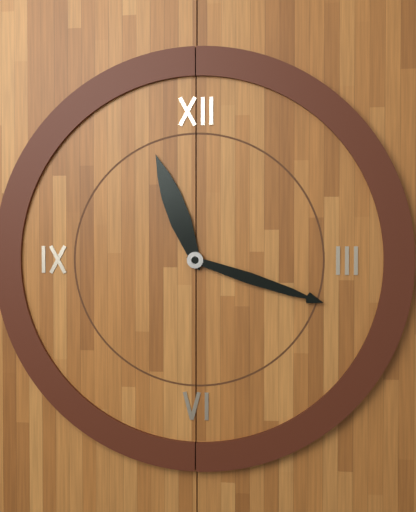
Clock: 11 h 18 min
